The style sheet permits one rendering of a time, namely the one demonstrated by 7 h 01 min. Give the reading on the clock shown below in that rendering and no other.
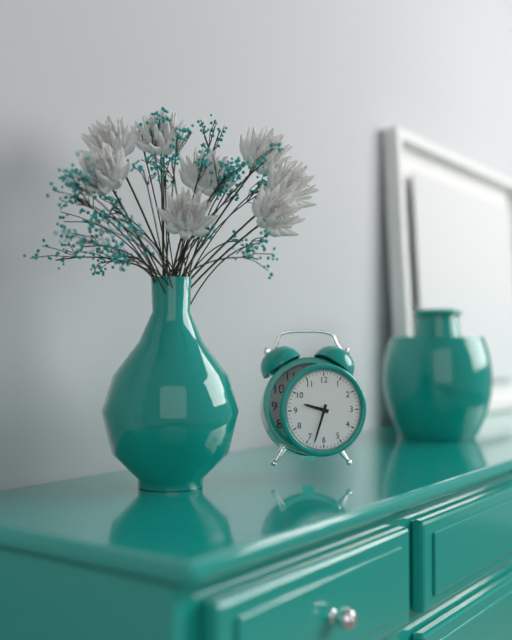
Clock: 9 h 33 min
